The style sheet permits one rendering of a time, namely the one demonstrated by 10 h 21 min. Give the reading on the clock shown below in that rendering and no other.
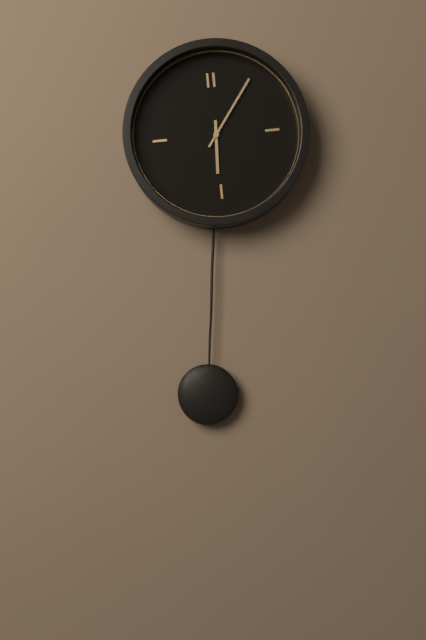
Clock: 6 h 06 min
